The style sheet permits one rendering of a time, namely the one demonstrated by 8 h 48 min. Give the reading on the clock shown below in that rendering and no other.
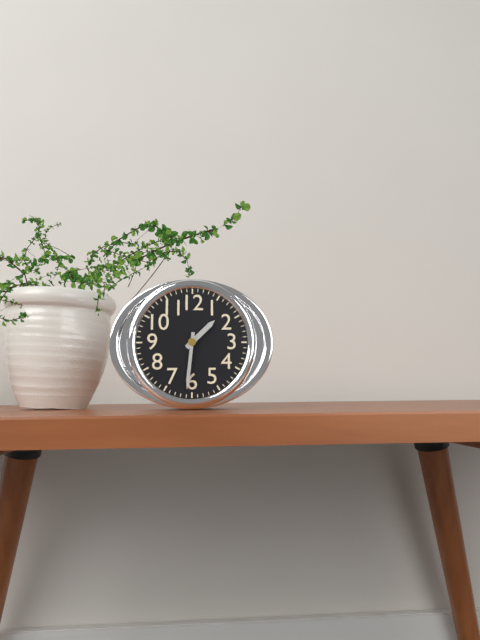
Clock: 1 h 31 min
